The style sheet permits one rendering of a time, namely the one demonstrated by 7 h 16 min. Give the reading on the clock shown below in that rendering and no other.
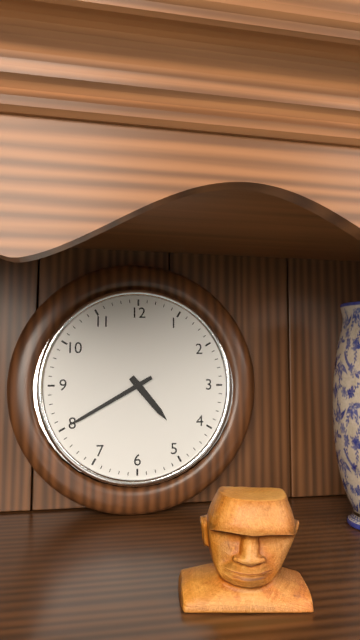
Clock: 4 h 40 min
